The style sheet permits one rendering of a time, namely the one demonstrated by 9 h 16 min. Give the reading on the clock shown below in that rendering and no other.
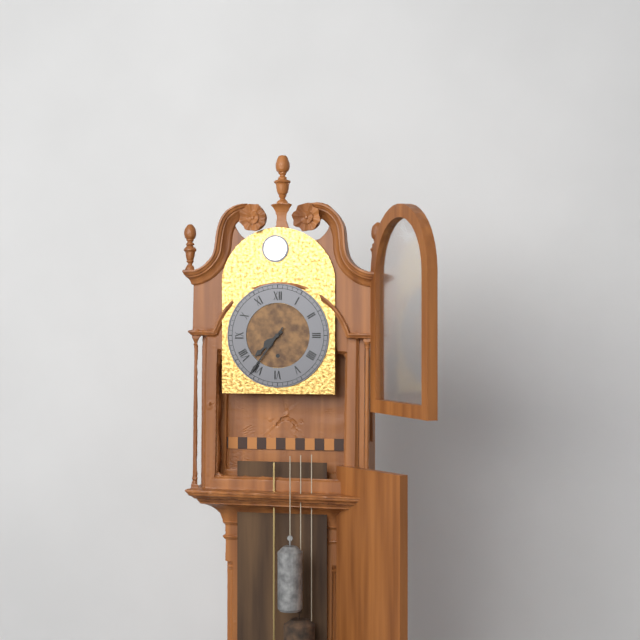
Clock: 7 h 36 min
